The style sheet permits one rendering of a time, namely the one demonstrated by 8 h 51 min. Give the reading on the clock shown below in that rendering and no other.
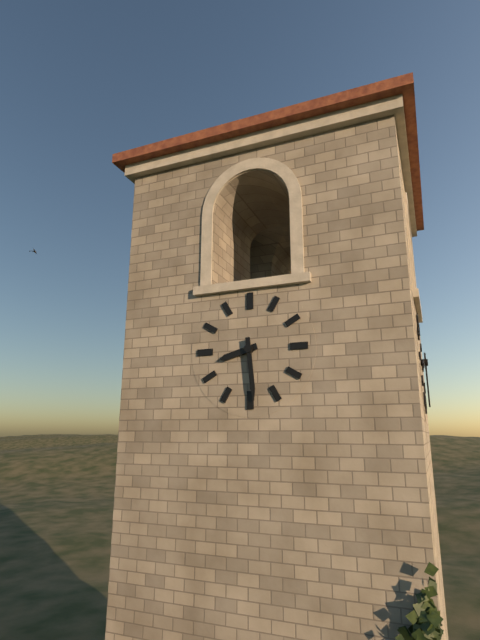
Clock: 8 h 29 min
